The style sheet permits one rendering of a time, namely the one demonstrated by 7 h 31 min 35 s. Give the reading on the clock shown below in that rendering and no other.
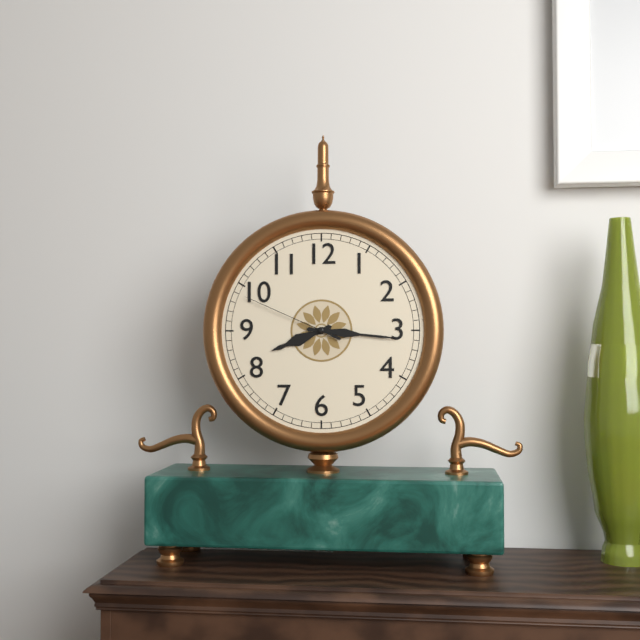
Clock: 8 h 16 min 49 s
